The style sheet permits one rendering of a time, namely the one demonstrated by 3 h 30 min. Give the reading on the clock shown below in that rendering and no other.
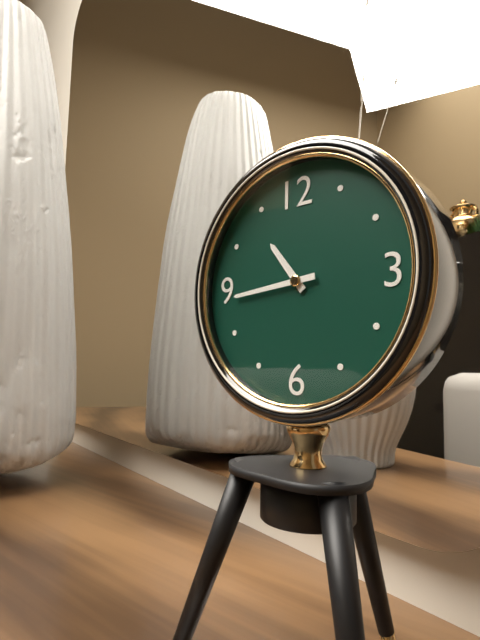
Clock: 10 h 44 min
